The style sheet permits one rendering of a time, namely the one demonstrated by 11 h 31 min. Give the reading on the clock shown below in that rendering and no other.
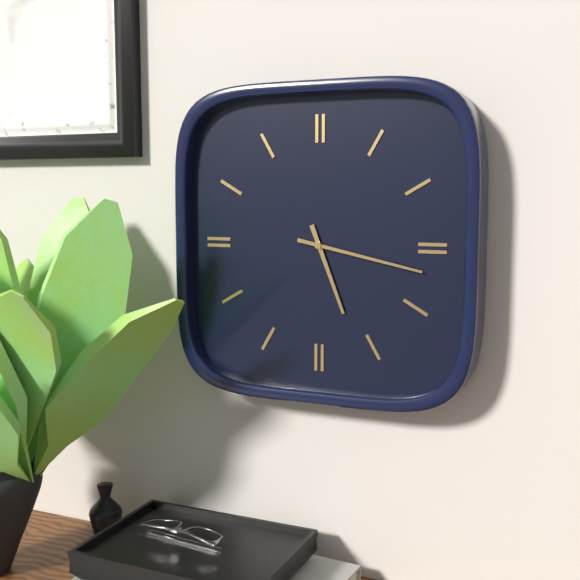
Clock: 5 h 17 min
